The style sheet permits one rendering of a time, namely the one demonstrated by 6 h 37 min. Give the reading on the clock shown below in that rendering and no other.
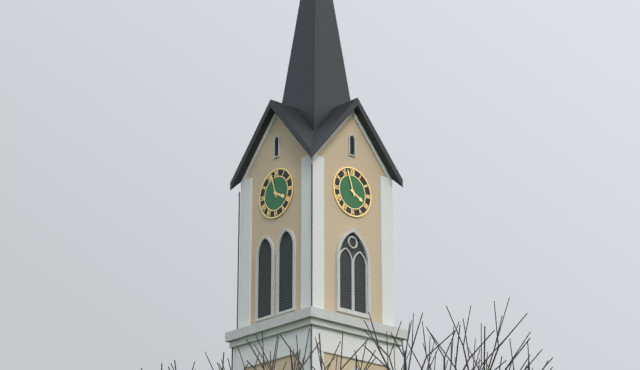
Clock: 3 h 57 min
